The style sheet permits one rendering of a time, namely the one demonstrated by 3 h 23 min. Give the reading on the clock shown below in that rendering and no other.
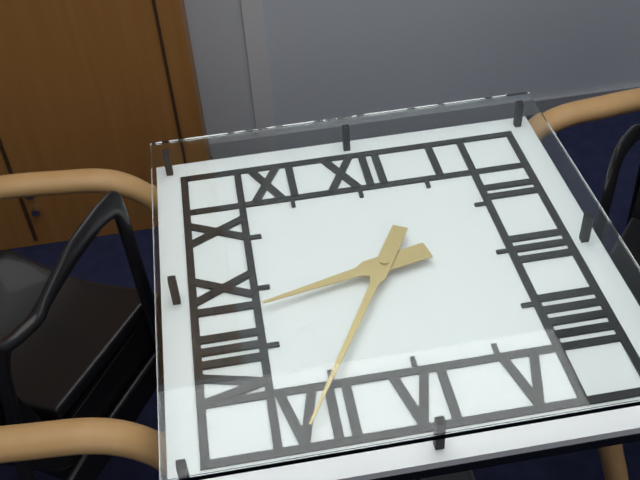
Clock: 8 h 35 min
